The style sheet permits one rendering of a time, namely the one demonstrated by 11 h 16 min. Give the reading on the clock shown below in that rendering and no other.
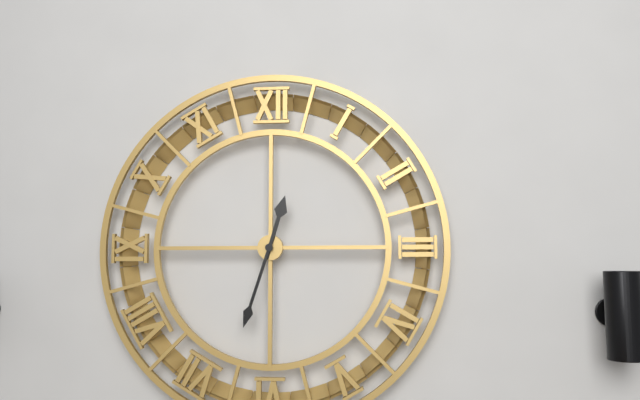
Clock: 12 h 33 min
